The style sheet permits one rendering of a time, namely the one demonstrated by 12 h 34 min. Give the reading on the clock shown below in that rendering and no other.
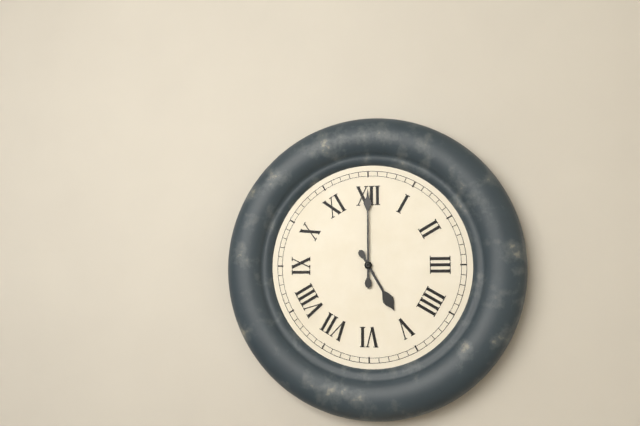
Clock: 5 h 00 min
